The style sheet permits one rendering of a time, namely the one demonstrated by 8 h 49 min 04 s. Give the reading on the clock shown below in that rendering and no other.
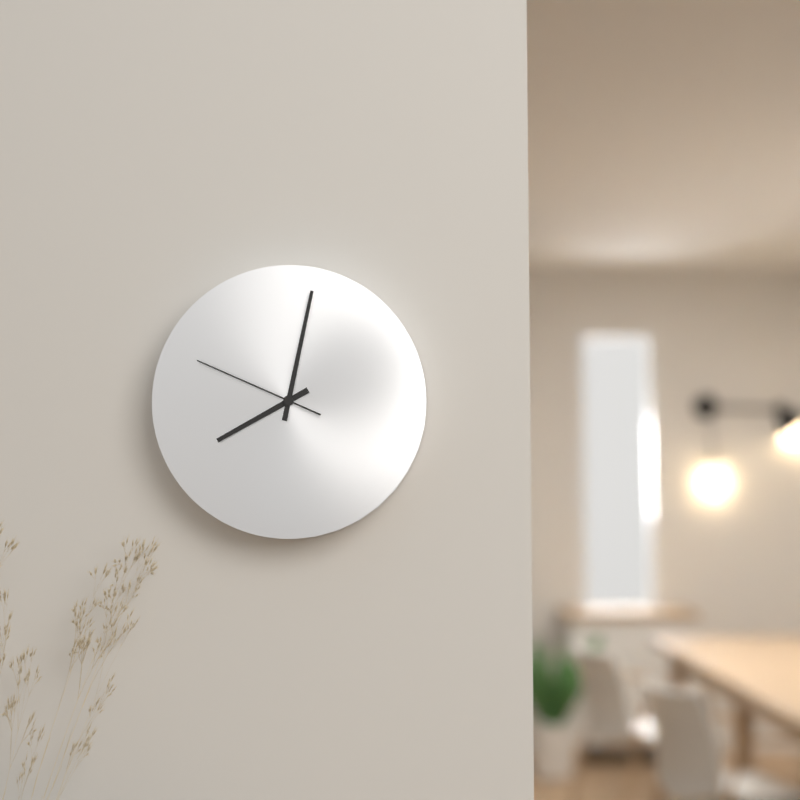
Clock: 8 h 02 min 49 s
